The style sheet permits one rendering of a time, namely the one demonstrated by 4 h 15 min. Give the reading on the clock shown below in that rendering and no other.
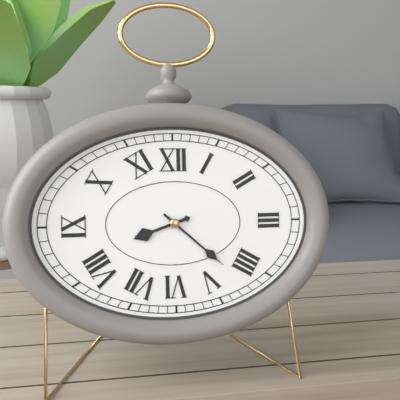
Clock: 8 h 22 min
